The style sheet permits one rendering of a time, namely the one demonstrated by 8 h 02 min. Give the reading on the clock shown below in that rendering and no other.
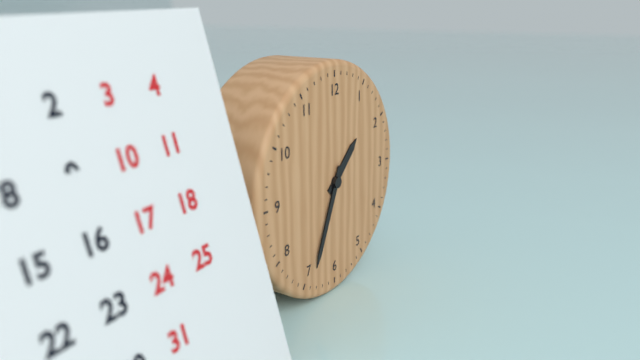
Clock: 1 h 34 min
